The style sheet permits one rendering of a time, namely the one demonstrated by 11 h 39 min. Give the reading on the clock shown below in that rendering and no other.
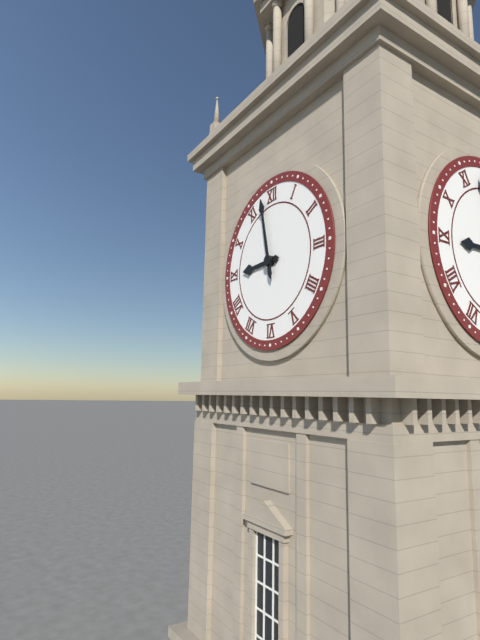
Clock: 8 h 58 min
